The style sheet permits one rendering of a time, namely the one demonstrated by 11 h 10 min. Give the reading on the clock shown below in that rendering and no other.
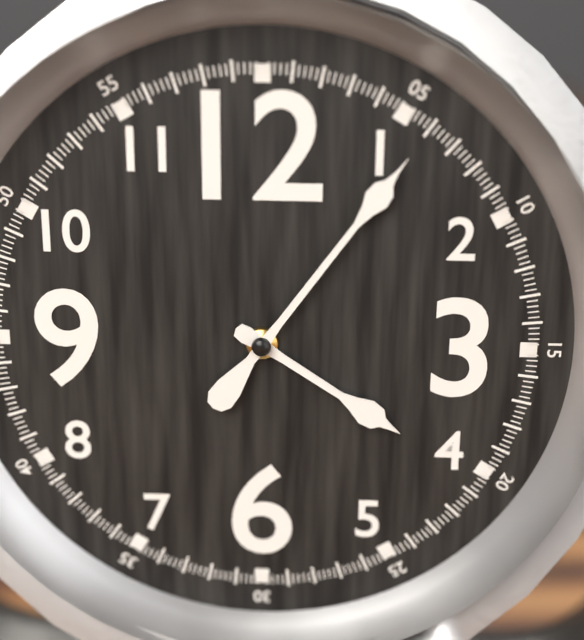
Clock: 4 h 06 min
